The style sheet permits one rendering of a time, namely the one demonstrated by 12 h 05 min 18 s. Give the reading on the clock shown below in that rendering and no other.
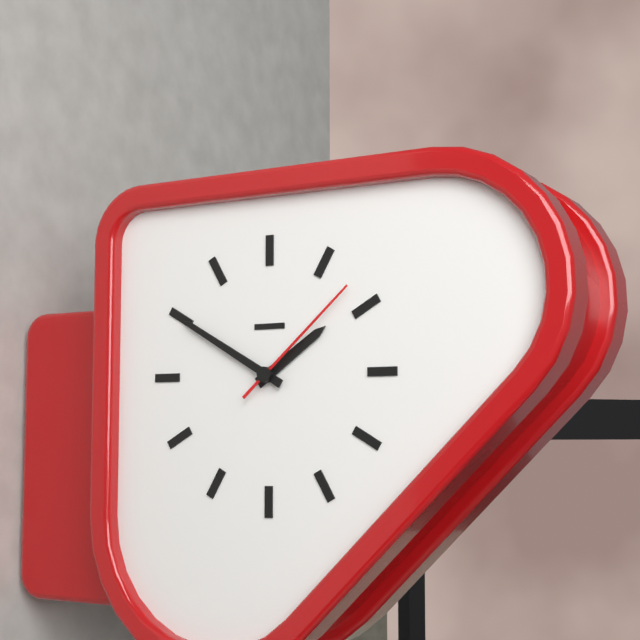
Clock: 1 h 50 min 08 s
